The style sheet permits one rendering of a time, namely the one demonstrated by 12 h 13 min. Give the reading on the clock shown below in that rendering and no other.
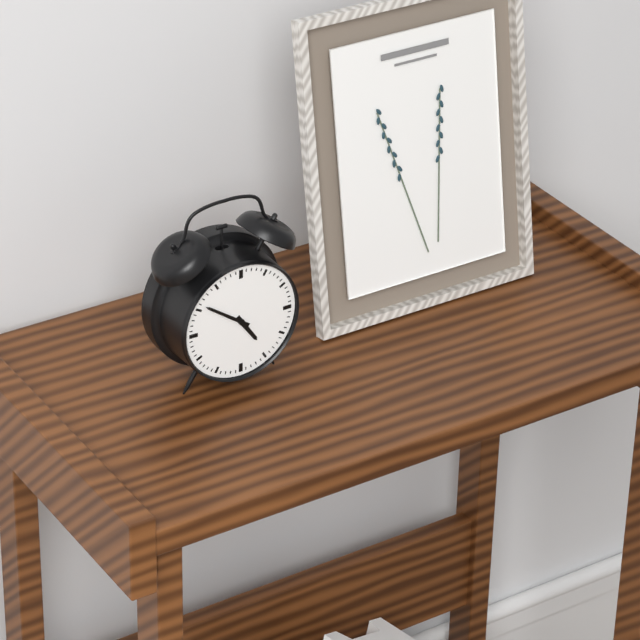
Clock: 4 h 51 min
